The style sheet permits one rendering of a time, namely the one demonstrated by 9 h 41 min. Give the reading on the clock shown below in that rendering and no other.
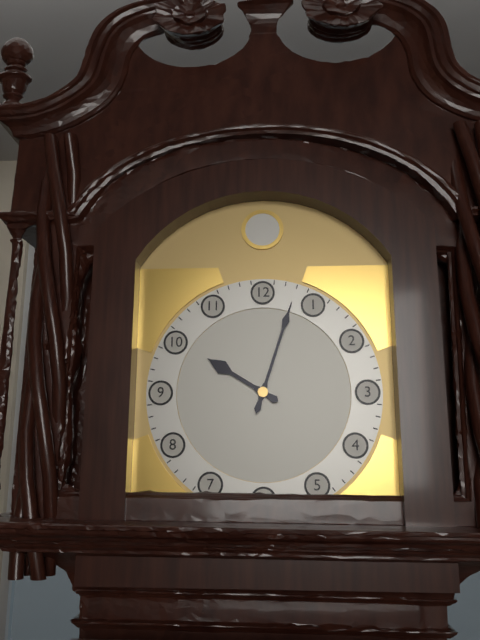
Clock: 10 h 03 min
